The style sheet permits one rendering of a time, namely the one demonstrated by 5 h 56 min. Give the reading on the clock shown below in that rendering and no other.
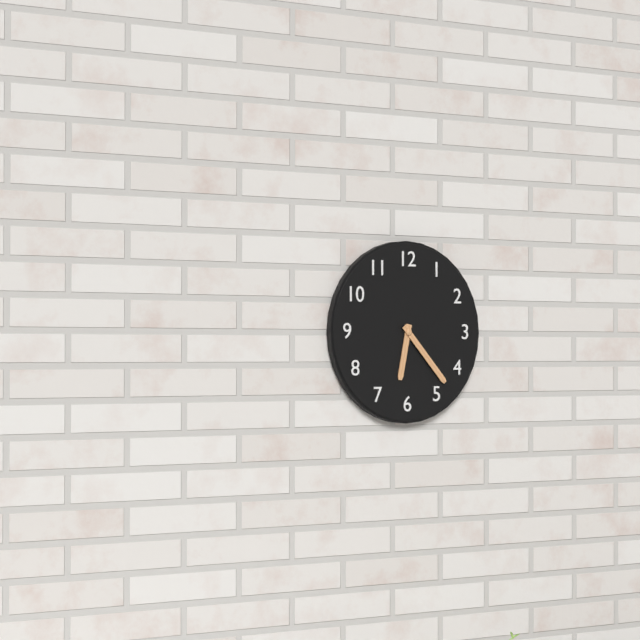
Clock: 6 h 23 min
